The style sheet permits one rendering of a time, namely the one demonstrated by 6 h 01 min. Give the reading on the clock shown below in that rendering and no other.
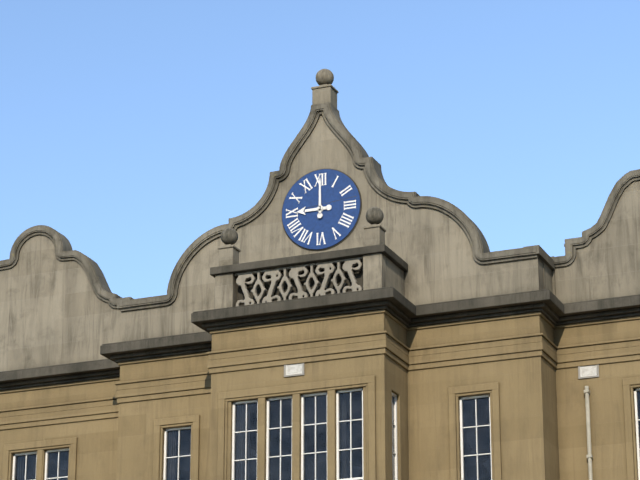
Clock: 9 h 00 min
